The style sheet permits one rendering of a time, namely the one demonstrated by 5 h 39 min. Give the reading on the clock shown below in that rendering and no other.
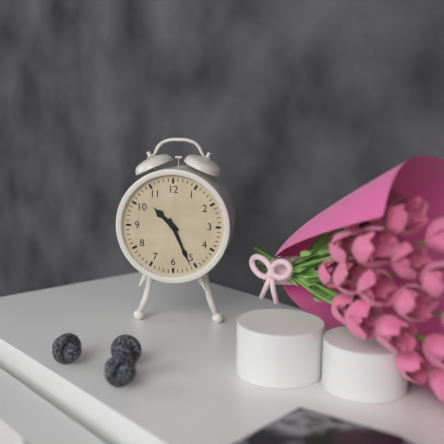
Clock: 10 h 26 min
